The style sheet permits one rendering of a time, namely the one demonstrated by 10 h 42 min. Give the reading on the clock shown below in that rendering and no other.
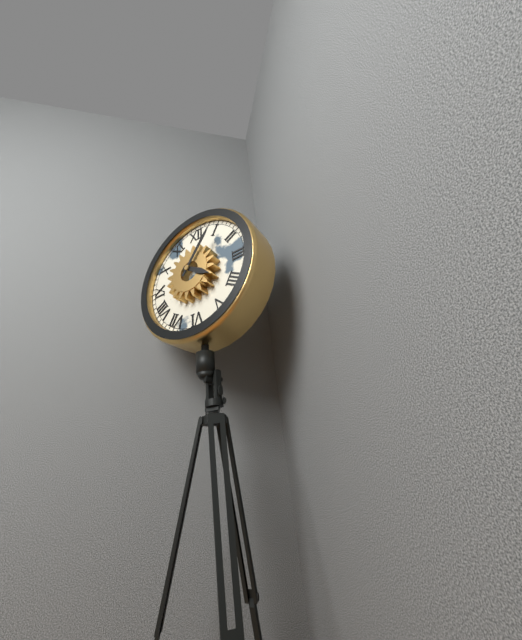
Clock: 4 h 06 min
